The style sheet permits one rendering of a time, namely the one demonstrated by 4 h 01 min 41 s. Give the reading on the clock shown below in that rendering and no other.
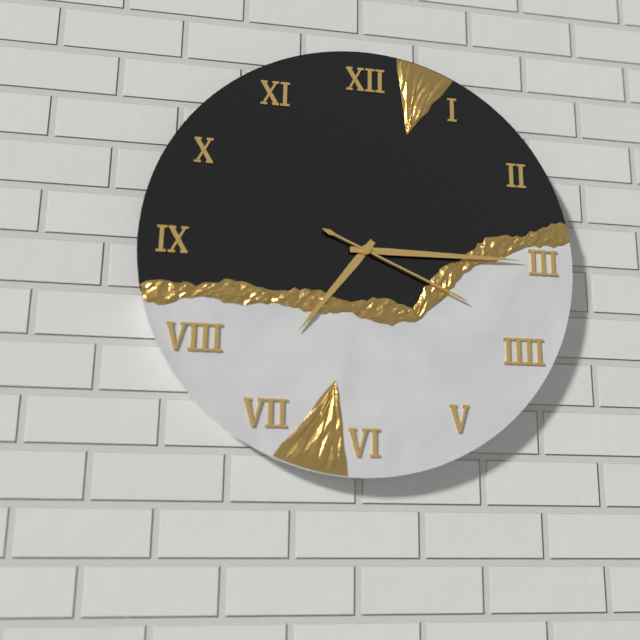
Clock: 7 h 15 min 19 s
